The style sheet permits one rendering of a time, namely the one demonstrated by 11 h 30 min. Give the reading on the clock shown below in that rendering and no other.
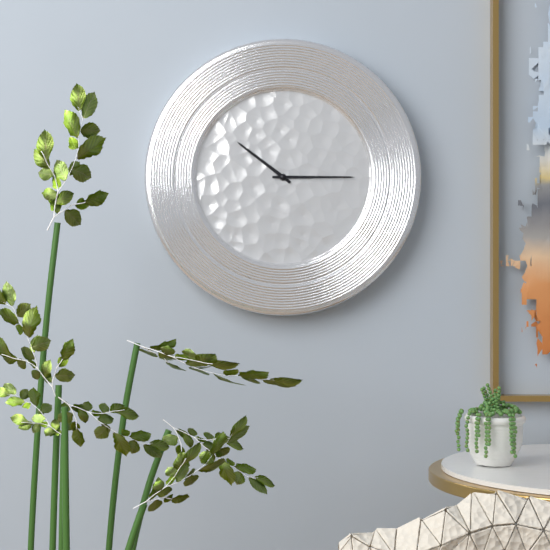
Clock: 10 h 15 min
